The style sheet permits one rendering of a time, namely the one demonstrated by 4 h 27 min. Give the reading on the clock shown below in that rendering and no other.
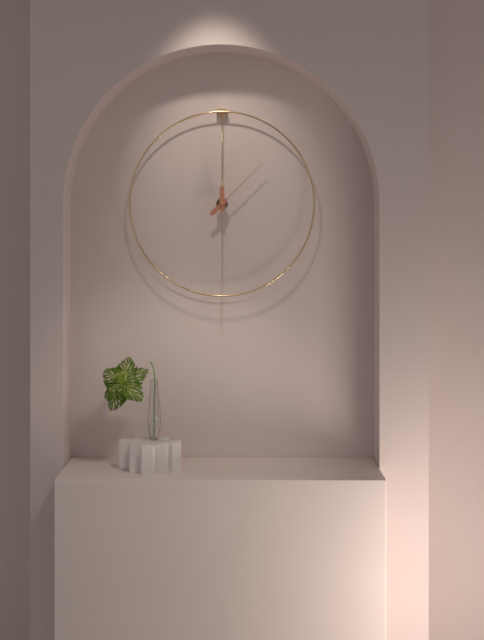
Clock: 1 h 30 min
